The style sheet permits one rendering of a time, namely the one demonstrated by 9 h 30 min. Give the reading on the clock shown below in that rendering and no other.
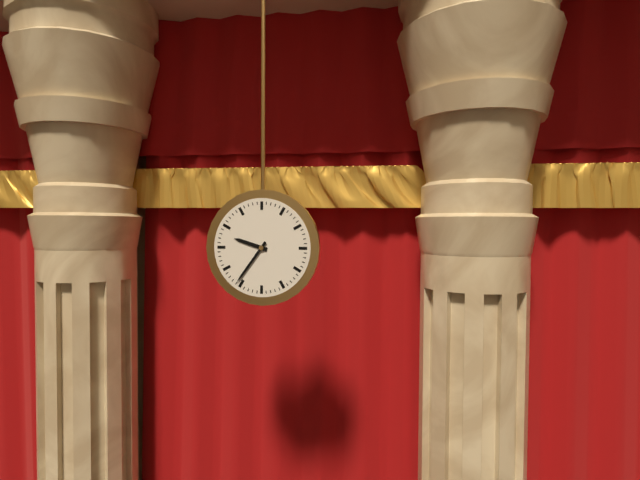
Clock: 9 h 36 min
